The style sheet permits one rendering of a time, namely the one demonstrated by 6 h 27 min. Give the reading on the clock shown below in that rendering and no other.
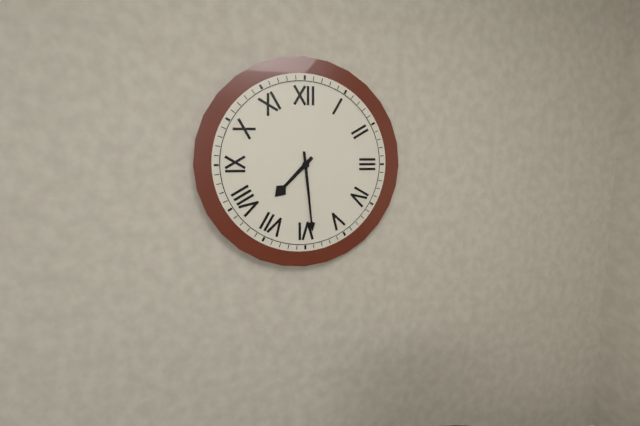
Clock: 7 h 29 min
